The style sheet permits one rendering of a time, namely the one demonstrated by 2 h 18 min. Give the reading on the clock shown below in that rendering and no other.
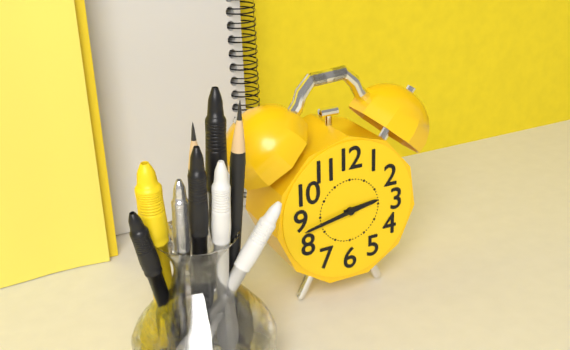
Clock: 2 h 43 min
